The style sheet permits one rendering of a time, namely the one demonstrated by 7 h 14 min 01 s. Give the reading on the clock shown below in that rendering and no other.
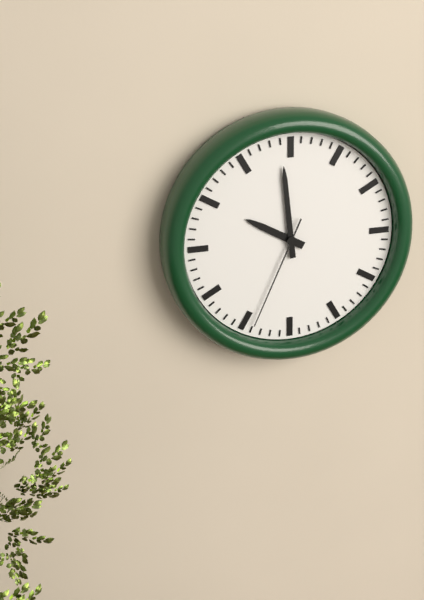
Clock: 9 h 59 min 34 s
